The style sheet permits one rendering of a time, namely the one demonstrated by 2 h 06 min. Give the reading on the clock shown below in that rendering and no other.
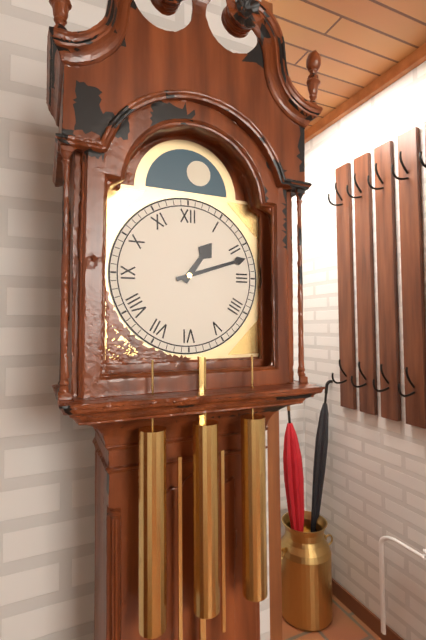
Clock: 1 h 12 min
